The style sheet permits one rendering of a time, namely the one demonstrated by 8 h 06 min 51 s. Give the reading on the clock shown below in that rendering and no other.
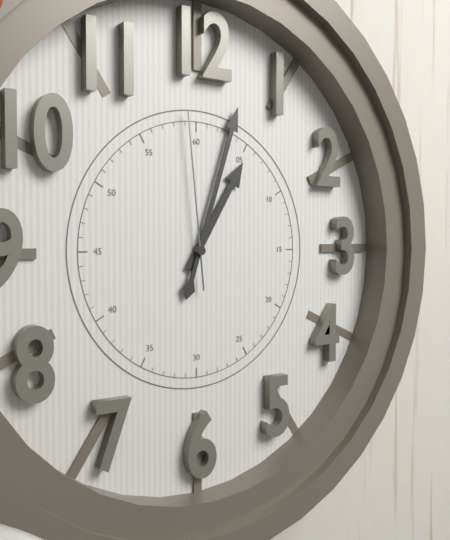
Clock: 1 h 03 min 59 s
